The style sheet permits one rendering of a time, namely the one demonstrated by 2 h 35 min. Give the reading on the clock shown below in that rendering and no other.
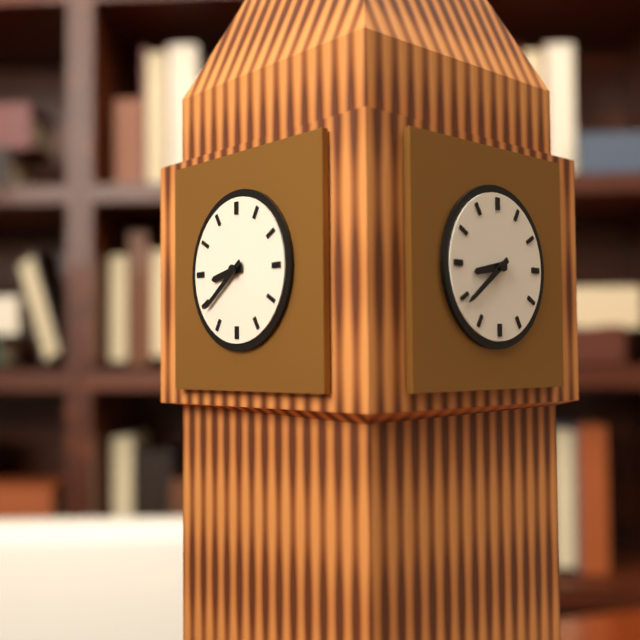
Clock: 8 h 39 min
